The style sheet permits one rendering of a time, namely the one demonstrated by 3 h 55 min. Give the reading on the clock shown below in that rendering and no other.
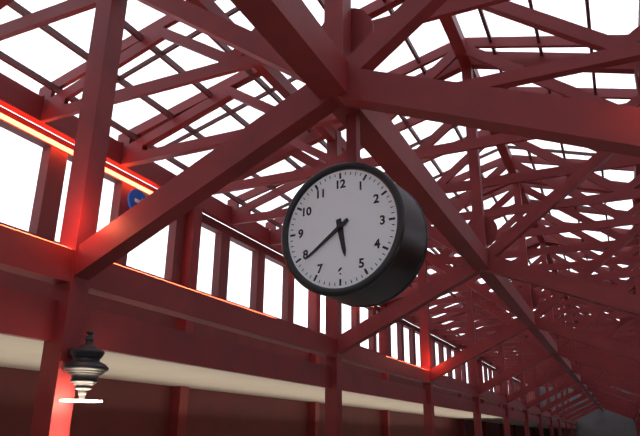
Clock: 5 h 39 min
